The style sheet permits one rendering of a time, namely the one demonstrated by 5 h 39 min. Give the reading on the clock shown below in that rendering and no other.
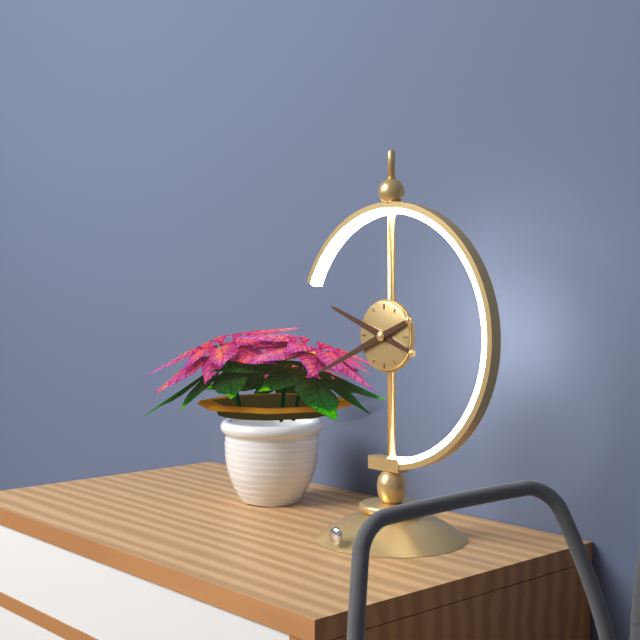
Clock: 9 h 41 min
